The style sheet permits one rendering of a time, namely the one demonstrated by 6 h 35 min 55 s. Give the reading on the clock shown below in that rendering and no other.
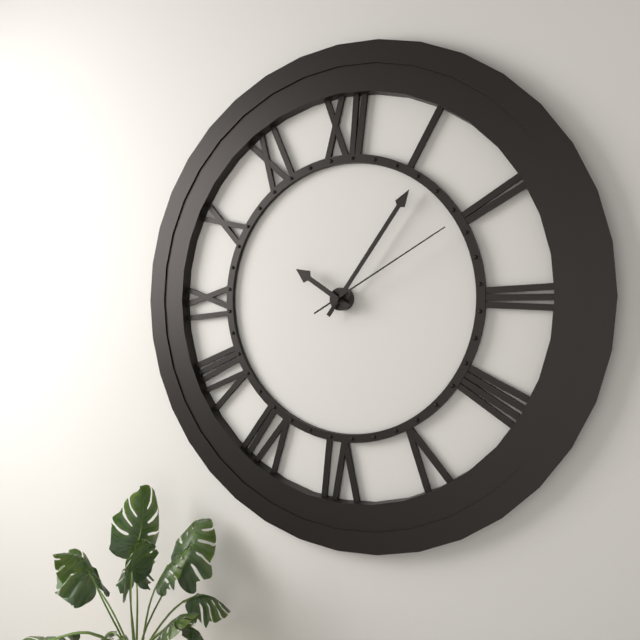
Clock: 10 h 06 min 10 s
